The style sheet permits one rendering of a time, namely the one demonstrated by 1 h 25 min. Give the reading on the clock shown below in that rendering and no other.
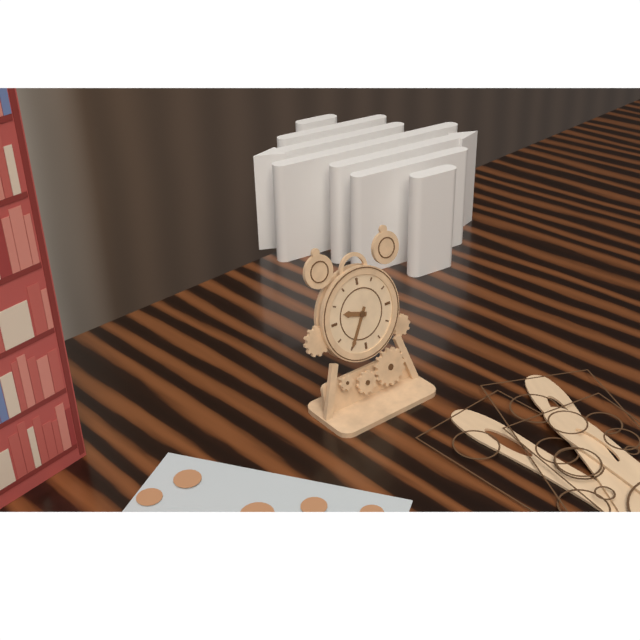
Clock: 9 h 35 min
